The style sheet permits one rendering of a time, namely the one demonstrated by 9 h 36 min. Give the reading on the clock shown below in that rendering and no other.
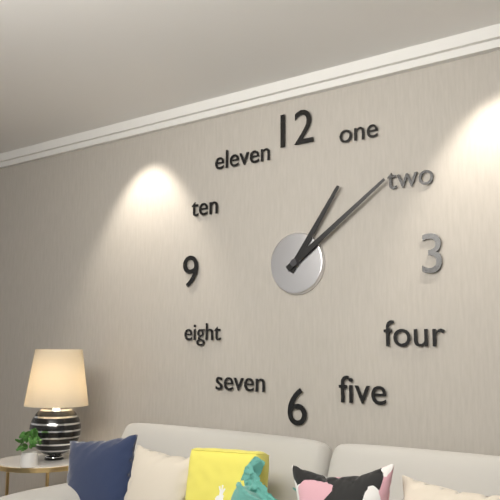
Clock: 1 h 09 min
